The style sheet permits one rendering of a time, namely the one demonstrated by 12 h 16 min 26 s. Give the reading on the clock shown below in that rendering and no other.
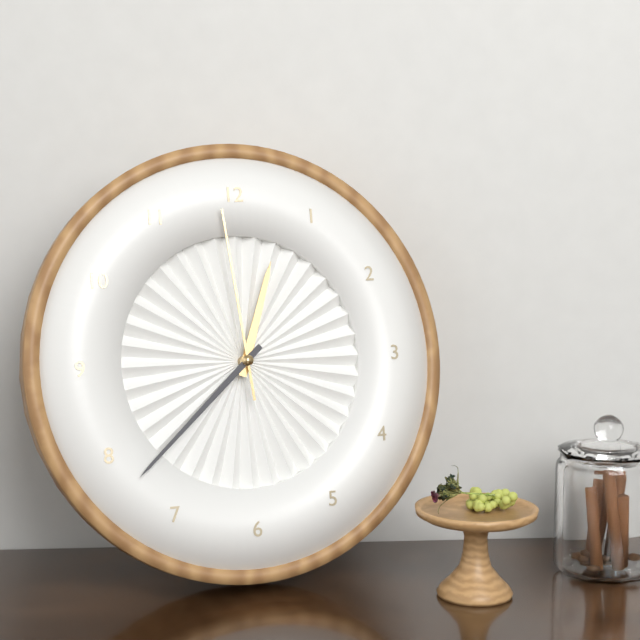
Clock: 12 h 38 min 59 s
